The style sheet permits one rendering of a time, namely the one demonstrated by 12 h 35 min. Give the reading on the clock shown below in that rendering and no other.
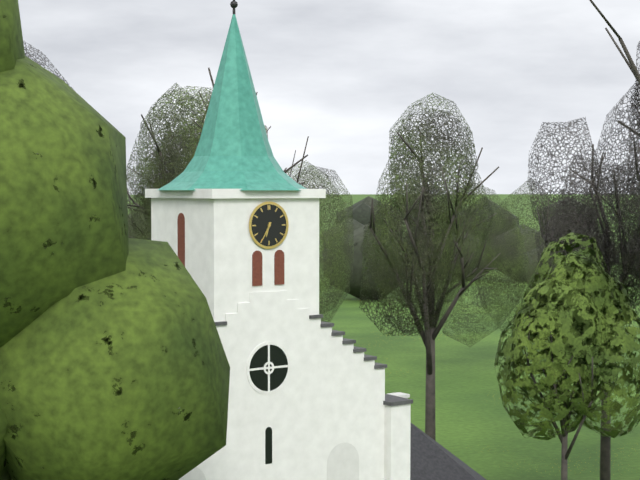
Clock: 6 h 35 min
